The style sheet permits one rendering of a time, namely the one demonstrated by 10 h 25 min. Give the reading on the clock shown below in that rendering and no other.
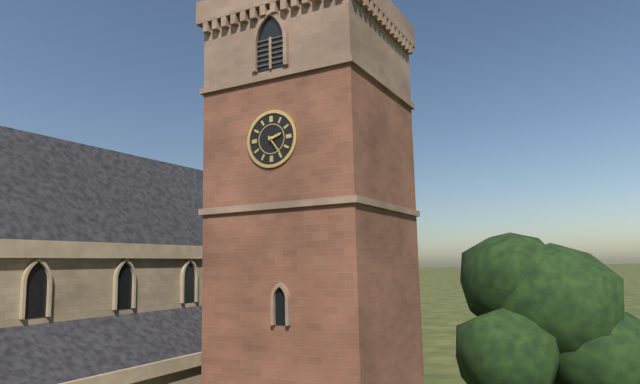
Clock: 2 h 24 min
